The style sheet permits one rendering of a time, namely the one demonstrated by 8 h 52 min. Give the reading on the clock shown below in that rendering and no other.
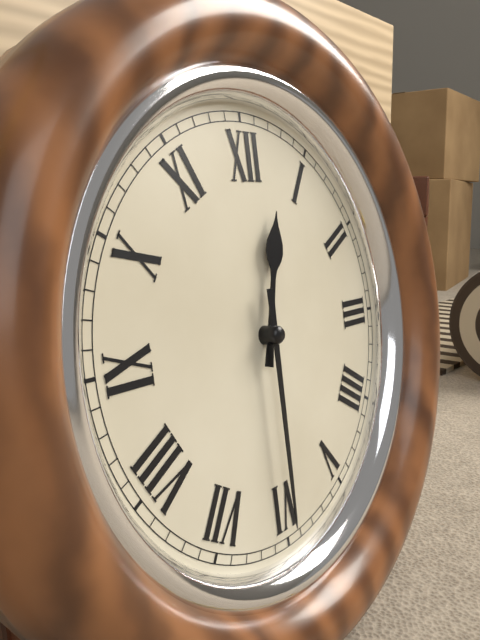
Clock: 12 h 30 min
